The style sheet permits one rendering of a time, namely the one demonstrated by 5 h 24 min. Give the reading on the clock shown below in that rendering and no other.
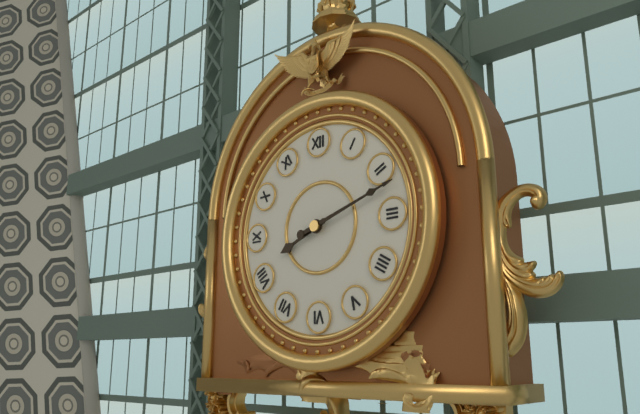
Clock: 8 h 12 min
